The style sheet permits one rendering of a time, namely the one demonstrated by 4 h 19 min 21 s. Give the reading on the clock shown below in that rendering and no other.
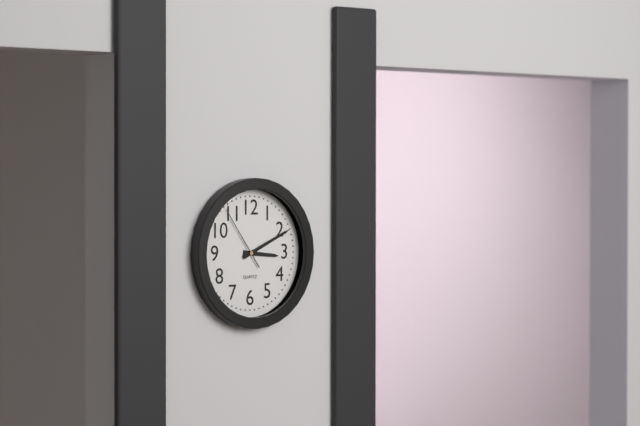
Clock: 3 h 11 min 54 s
